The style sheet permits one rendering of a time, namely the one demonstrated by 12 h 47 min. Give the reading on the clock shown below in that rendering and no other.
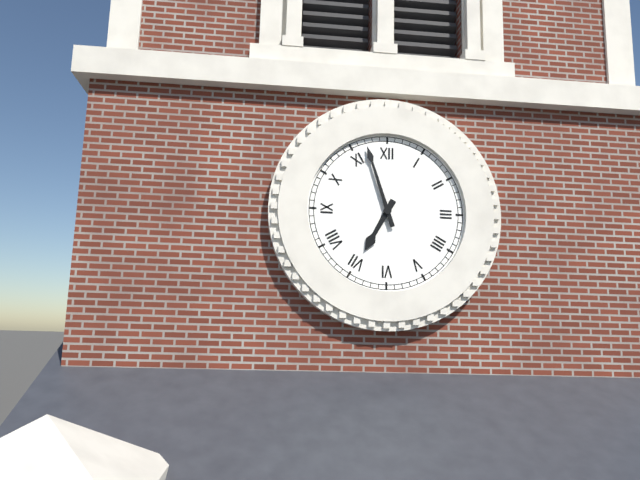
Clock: 6 h 57 min
